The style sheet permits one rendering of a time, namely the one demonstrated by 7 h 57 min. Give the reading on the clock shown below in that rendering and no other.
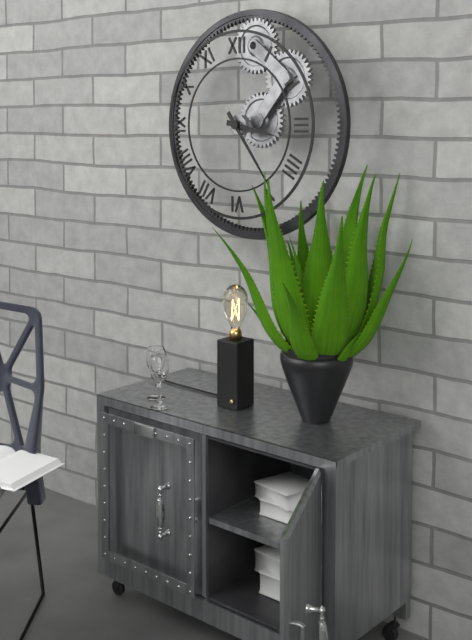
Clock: 3 h 24 min
